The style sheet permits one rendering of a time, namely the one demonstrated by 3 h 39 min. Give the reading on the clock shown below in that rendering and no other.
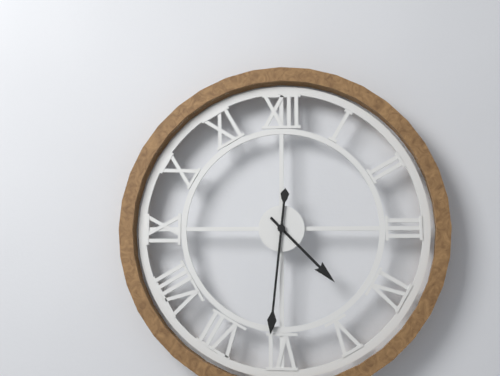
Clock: 4 h 31 min
